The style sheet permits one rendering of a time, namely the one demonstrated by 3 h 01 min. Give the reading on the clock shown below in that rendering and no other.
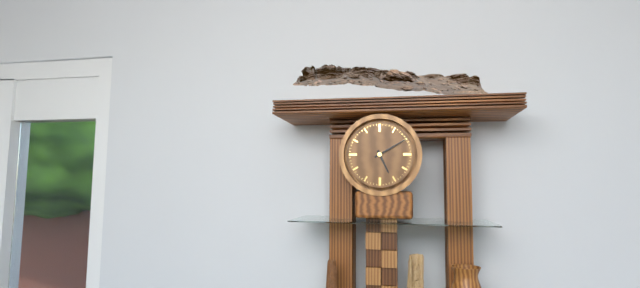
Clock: 5 h 10 min
